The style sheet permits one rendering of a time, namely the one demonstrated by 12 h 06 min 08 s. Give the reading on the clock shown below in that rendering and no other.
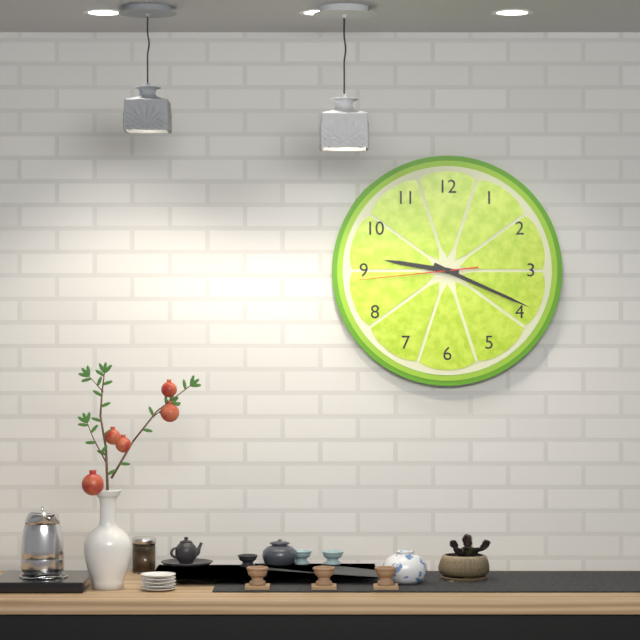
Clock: 9 h 19 min 44 s
